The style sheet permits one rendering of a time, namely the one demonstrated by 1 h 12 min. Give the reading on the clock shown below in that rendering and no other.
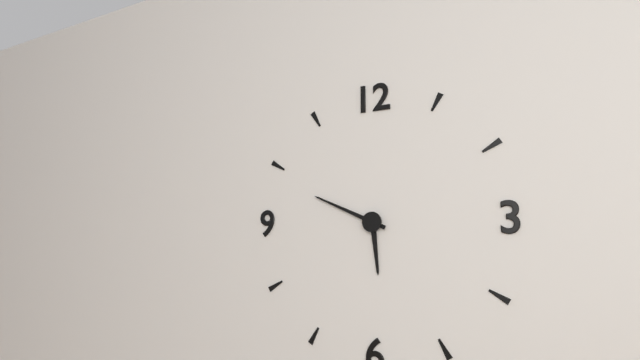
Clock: 5 h 49 min
